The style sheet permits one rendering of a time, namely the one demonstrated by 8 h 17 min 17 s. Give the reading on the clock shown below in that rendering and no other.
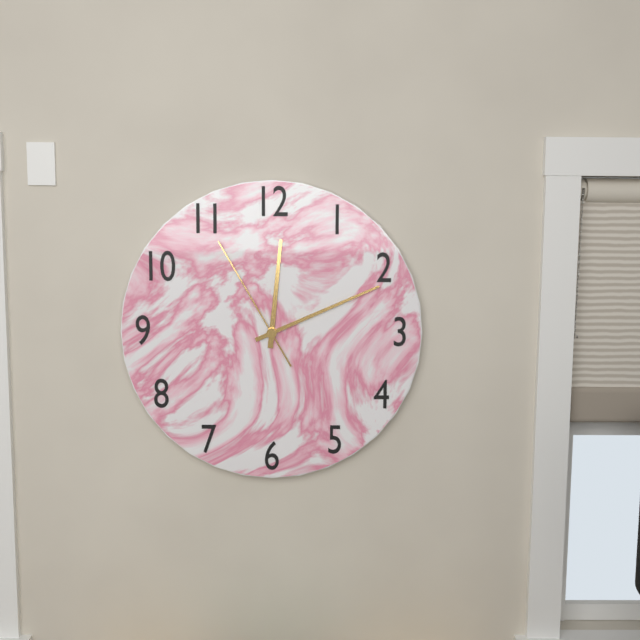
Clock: 12 h 11 min 55 s
